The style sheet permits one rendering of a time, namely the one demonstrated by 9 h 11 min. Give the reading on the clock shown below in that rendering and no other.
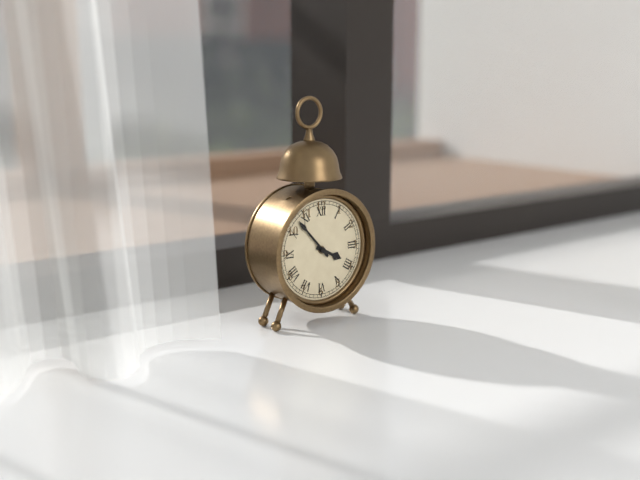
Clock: 3 h 53 min
